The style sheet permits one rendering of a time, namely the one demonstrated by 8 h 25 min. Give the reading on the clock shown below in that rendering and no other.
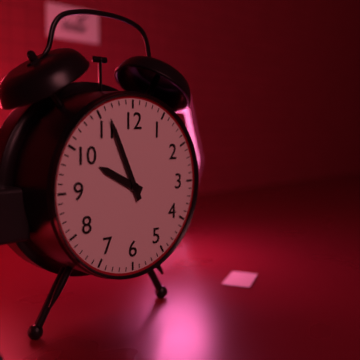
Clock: 9 h 56 min
